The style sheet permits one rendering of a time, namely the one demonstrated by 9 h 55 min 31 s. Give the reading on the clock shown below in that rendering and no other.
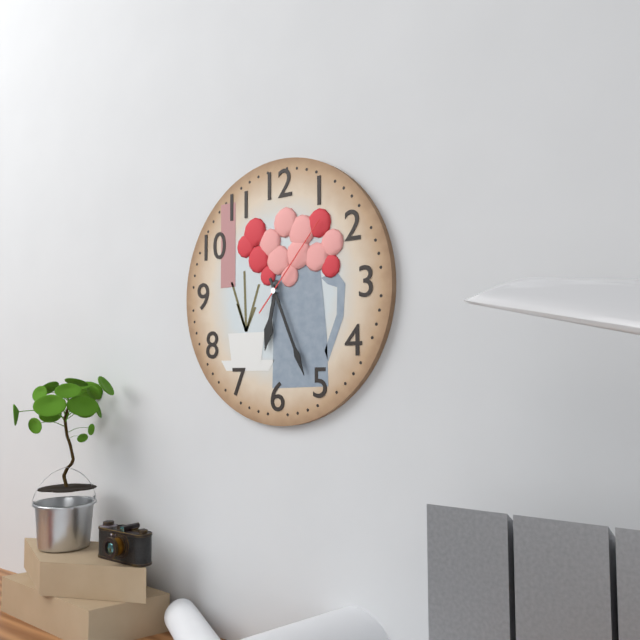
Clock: 6 h 26 min 07 s
